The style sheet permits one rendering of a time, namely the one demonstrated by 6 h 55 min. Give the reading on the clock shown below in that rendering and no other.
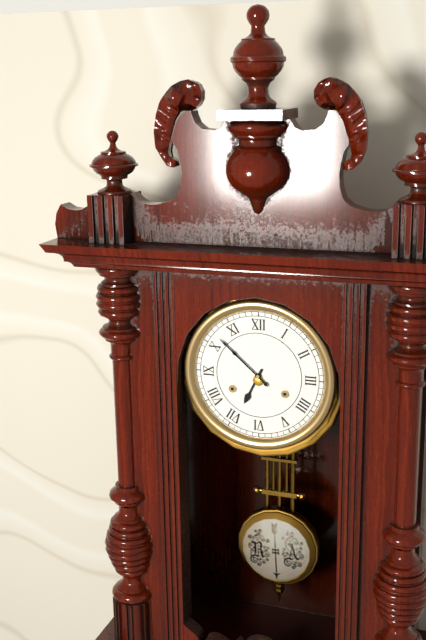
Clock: 6 h 52 min
